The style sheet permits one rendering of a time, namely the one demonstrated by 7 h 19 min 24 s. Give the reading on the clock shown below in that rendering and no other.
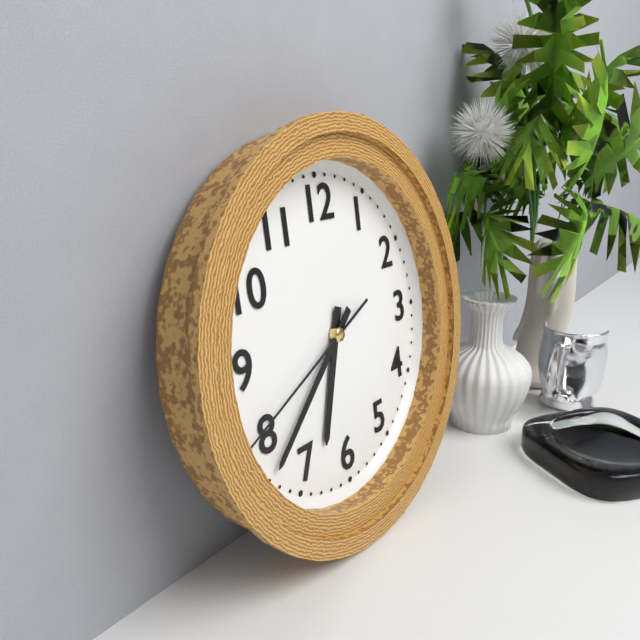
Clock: 6 h 38 min 41 s
